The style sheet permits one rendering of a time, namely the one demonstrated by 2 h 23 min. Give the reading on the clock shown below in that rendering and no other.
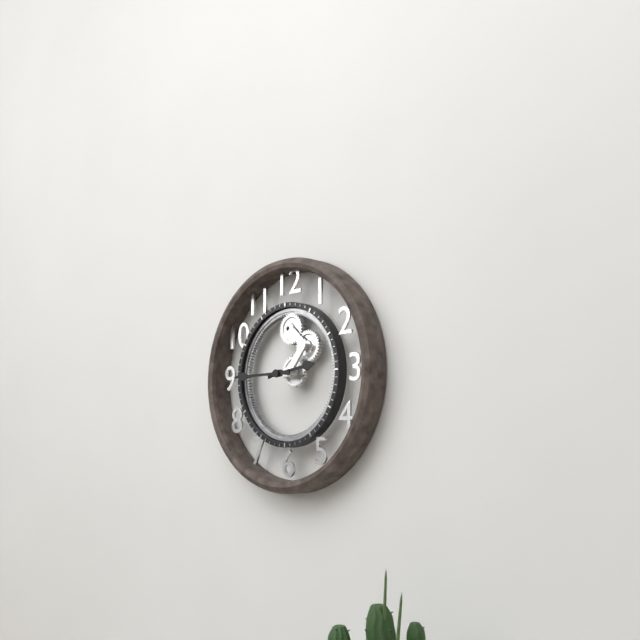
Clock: 2 h 45 min
